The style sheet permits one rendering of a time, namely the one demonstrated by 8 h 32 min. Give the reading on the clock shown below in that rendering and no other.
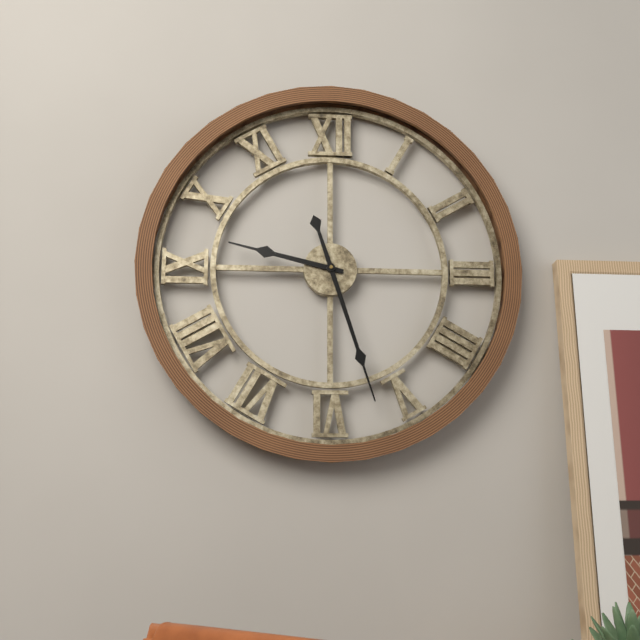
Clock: 9 h 27 min
